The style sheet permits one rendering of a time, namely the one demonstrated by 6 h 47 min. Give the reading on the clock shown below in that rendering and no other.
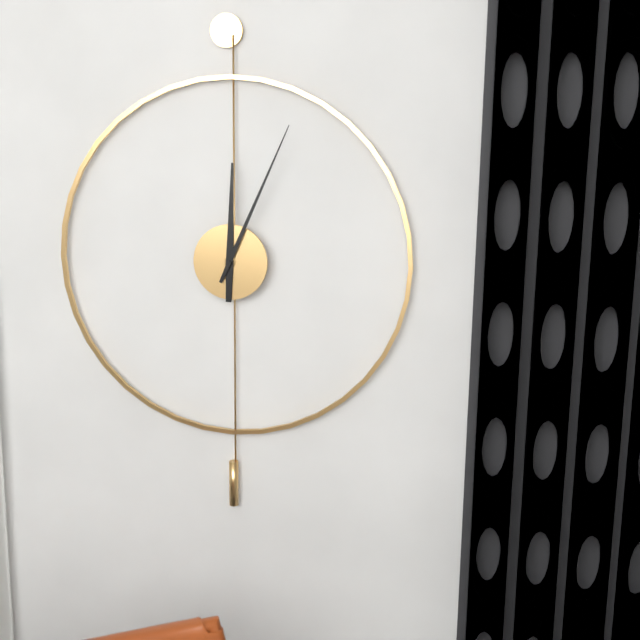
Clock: 12 h 04 min
